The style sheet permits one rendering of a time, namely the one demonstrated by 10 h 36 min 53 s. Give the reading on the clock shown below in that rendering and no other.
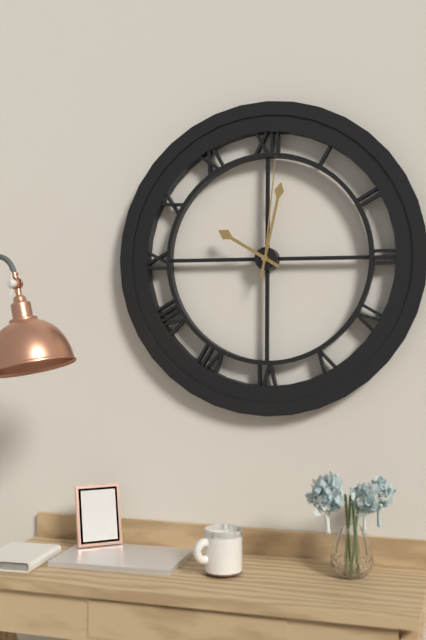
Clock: 10 h 02 min 01 s
